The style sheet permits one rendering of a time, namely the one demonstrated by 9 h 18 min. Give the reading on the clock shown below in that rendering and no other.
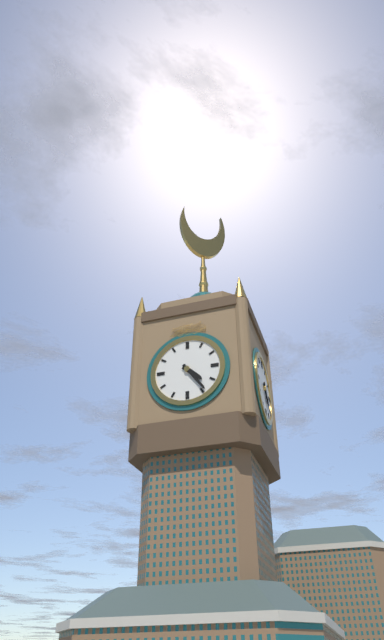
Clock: 4 h 24 min
